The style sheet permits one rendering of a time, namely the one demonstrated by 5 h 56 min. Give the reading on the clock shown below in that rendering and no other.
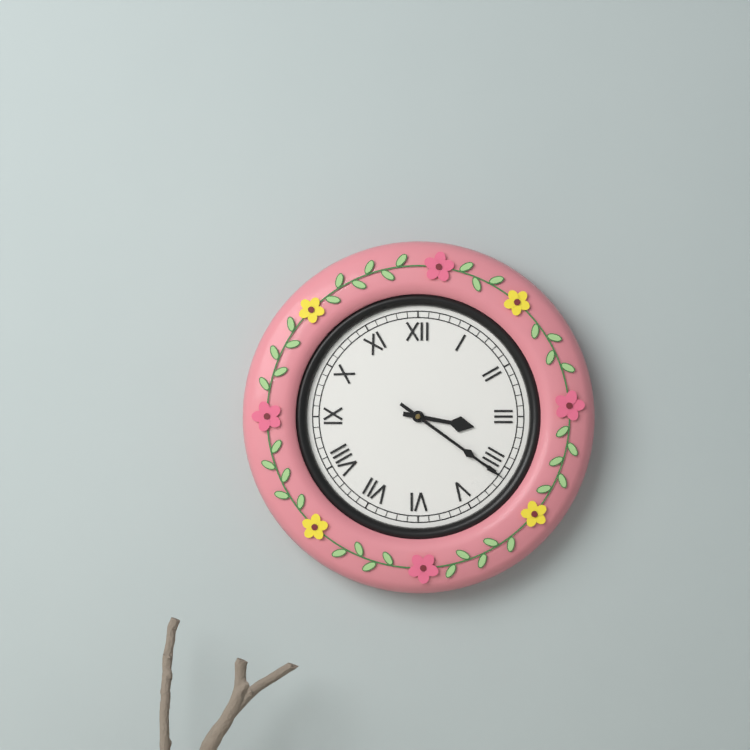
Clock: 3 h 21 min
